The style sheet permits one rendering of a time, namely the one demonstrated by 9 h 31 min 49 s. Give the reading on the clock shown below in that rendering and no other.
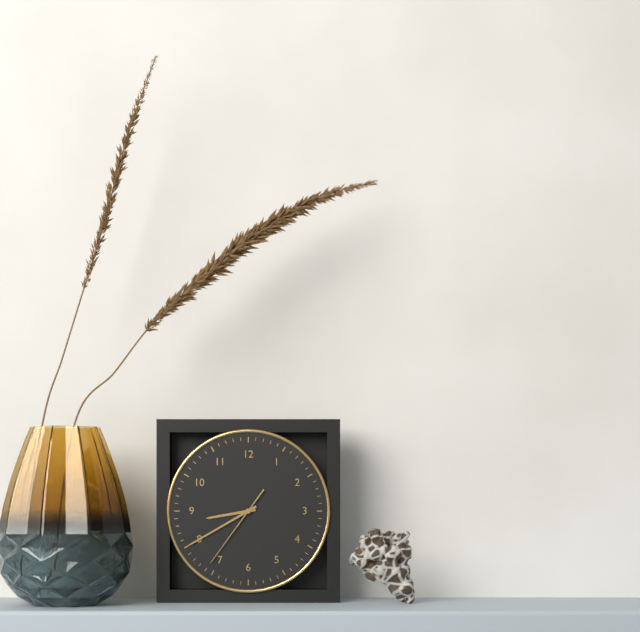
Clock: 8 h 40 min 36 s
